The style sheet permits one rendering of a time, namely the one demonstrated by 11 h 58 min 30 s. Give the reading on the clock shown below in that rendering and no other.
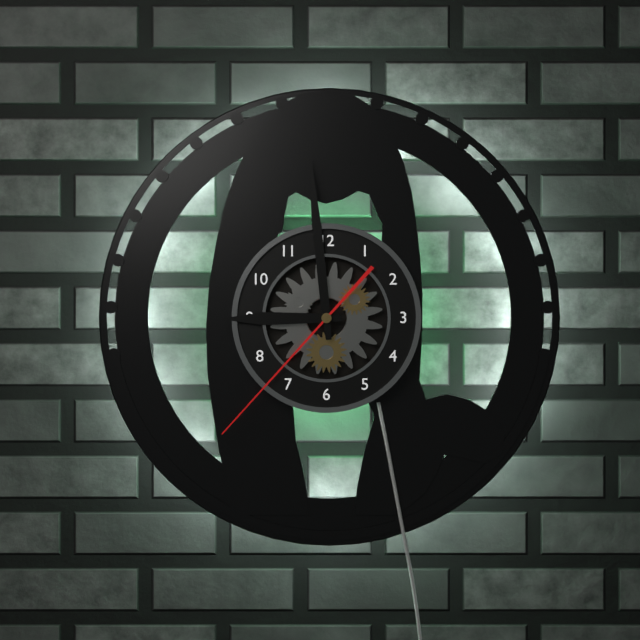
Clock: 8 h 59 min 37 s
